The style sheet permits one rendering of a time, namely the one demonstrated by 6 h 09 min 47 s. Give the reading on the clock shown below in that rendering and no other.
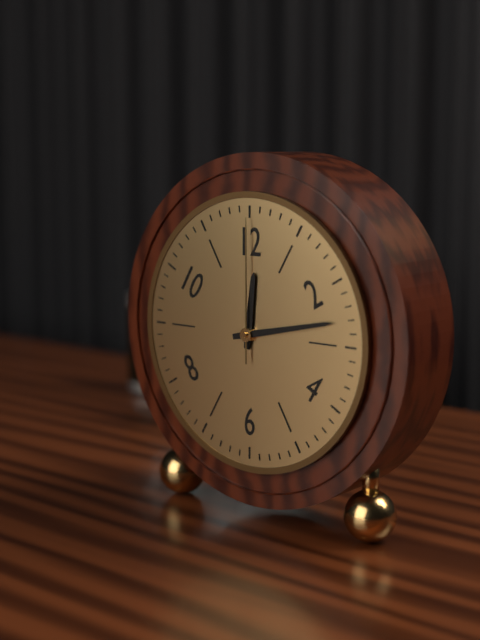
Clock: 12 h 13 min 00 s
